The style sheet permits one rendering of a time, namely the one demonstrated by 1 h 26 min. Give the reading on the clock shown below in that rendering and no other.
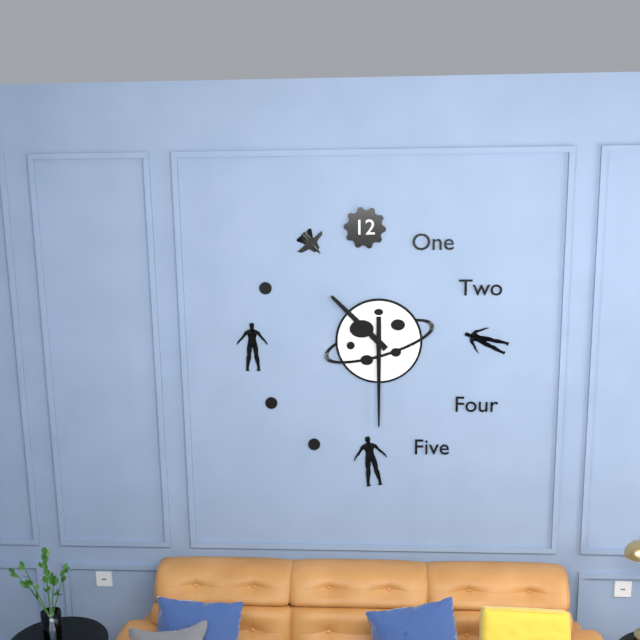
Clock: 10 h 30 min
